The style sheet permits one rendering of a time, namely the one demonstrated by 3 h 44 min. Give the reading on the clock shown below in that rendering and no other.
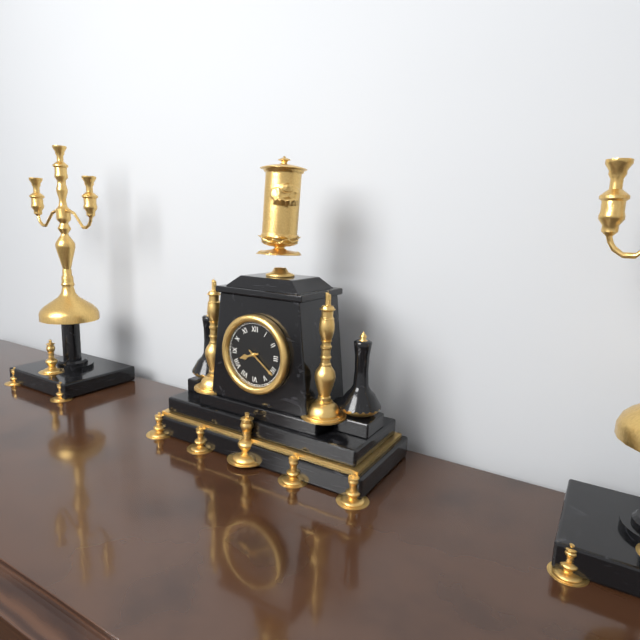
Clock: 8 h 21 min
